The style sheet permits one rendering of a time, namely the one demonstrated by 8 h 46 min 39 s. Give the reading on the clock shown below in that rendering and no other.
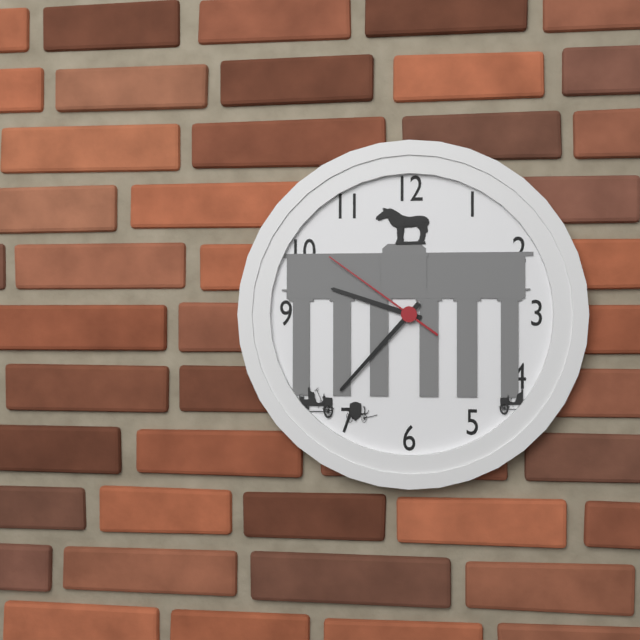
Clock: 9 h 37 min 51 s
